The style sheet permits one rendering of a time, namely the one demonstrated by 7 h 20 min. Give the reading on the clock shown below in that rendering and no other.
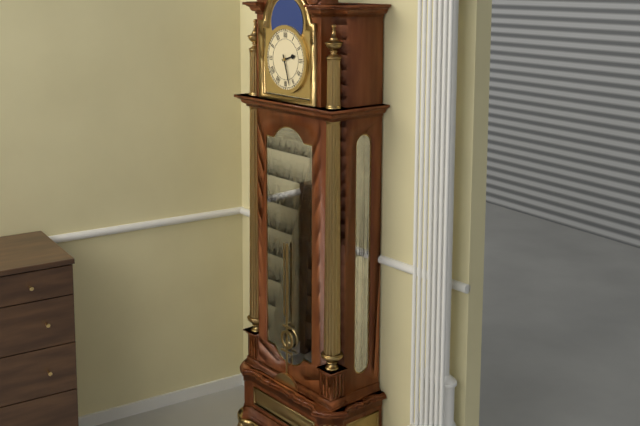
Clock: 2 h 27 min
